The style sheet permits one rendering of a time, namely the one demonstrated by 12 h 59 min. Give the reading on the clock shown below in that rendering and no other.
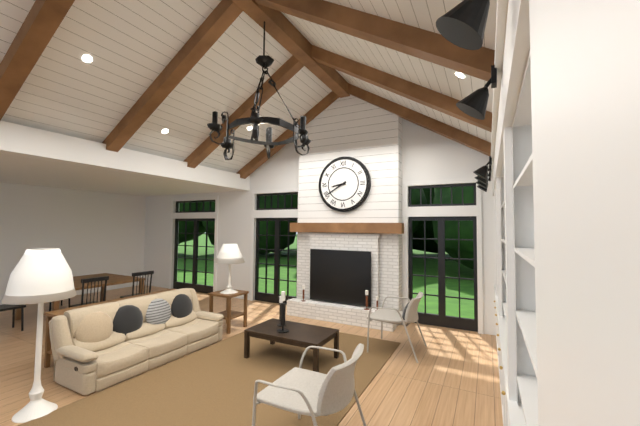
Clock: 8 h 40 min
